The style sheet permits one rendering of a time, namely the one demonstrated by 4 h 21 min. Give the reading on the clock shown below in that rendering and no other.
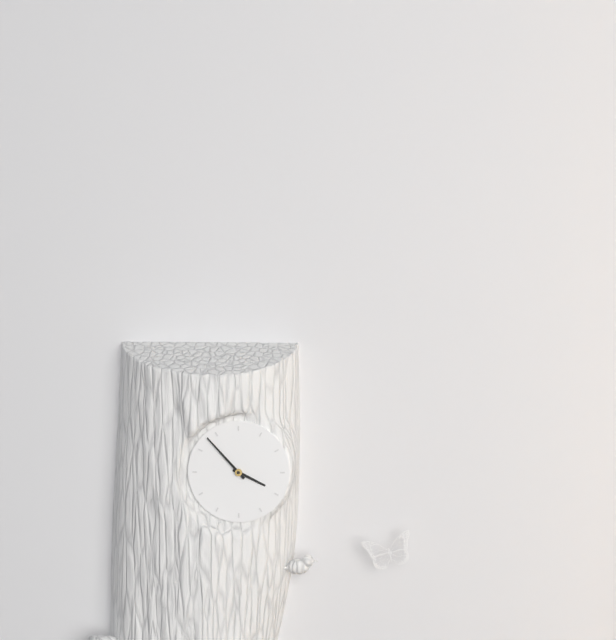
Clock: 3 h 53 min
